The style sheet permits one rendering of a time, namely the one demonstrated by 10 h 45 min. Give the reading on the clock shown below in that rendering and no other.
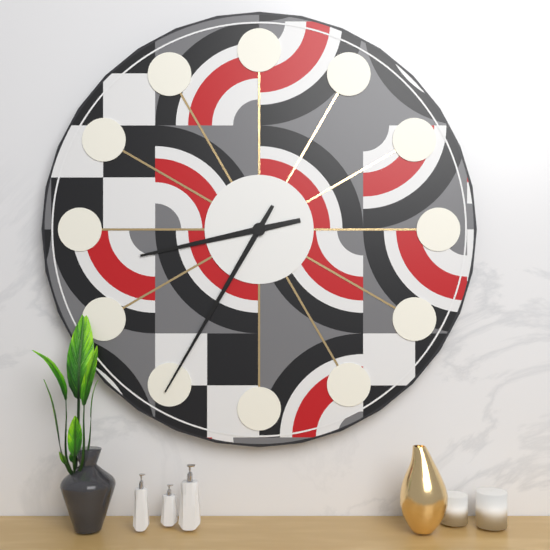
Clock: 8 h 35 min
